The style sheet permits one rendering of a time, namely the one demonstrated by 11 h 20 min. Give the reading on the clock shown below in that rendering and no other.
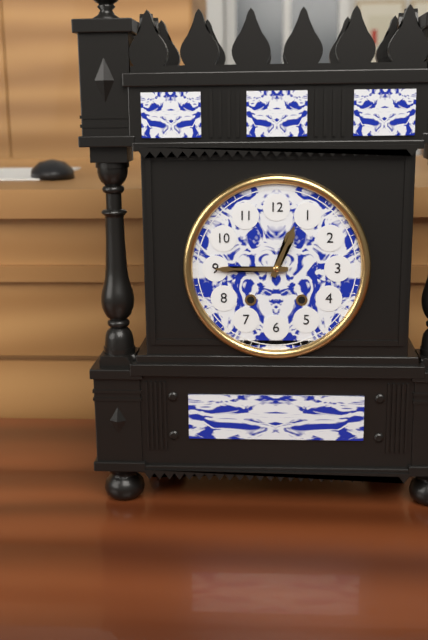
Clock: 12 h 45 min
